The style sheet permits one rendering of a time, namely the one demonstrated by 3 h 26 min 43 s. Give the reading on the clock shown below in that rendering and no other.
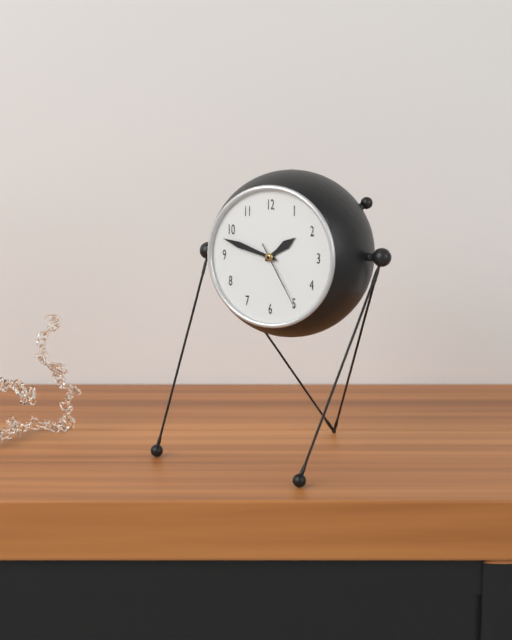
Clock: 1 h 48 min 25 s
